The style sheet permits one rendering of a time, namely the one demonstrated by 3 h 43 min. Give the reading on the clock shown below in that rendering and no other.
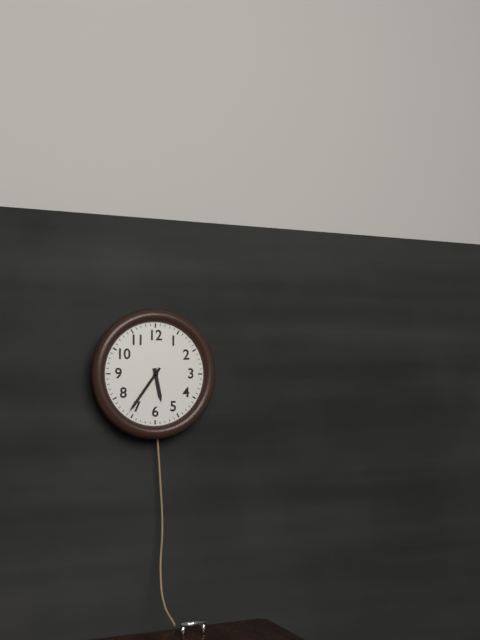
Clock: 5 h 36 min
